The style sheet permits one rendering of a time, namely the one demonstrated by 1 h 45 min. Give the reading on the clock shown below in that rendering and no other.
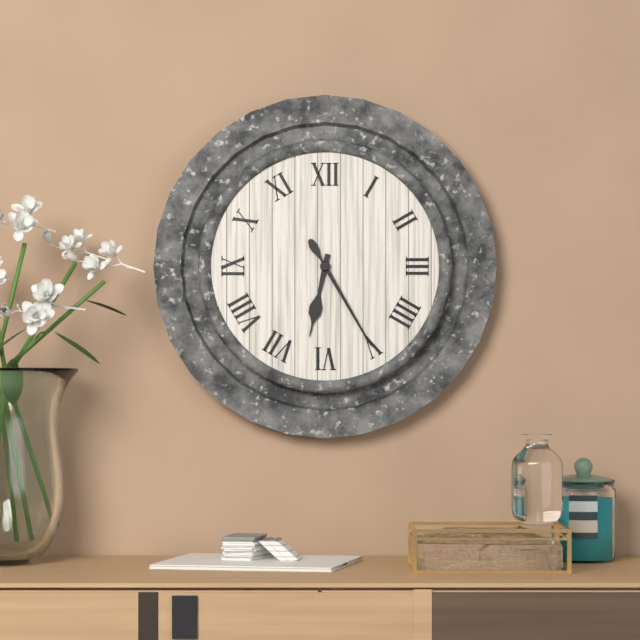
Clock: 6 h 25 min
